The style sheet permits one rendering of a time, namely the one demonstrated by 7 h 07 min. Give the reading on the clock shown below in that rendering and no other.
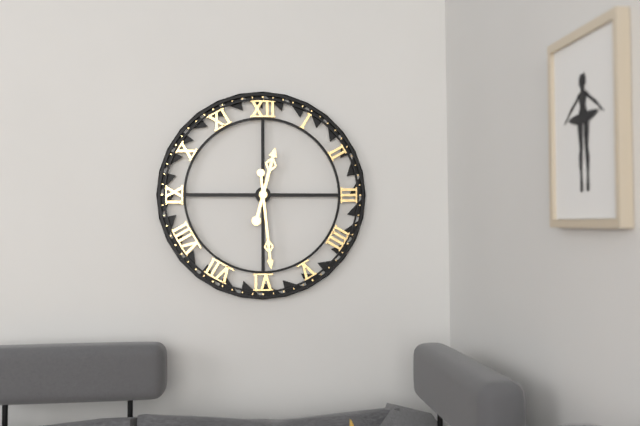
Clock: 12 h 29 min
